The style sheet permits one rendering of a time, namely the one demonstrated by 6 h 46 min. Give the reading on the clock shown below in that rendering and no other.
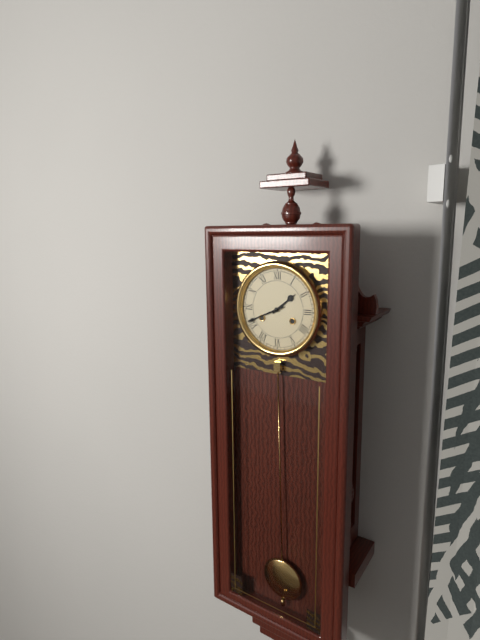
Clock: 1 h 41 min
